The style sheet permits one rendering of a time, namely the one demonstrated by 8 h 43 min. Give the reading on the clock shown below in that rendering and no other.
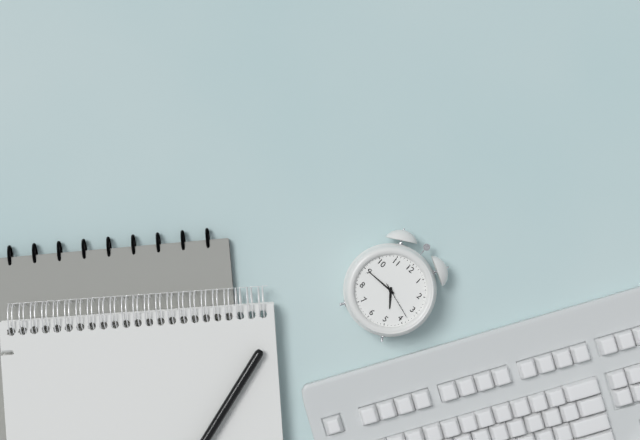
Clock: 4 h 45 min
